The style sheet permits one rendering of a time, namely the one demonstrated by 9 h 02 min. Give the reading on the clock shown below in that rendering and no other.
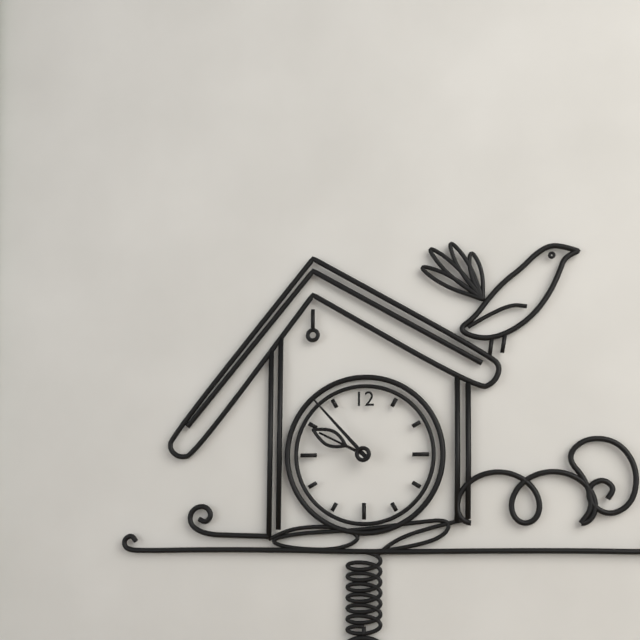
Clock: 9 h 53 min
